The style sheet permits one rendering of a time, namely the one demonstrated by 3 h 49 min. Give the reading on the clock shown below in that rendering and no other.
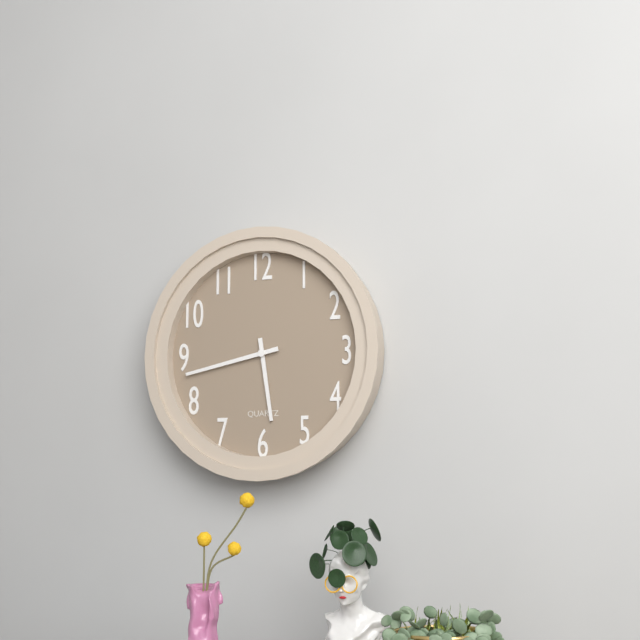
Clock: 5 h 43 min
